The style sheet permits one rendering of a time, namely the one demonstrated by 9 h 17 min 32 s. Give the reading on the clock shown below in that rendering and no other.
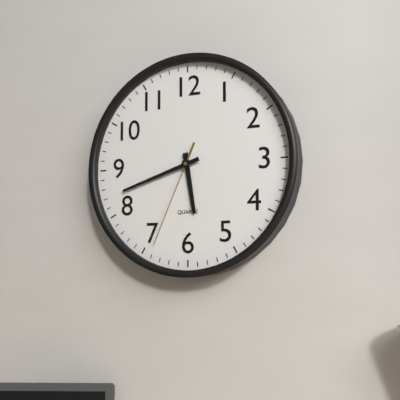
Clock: 5 h 42 min 34 s
